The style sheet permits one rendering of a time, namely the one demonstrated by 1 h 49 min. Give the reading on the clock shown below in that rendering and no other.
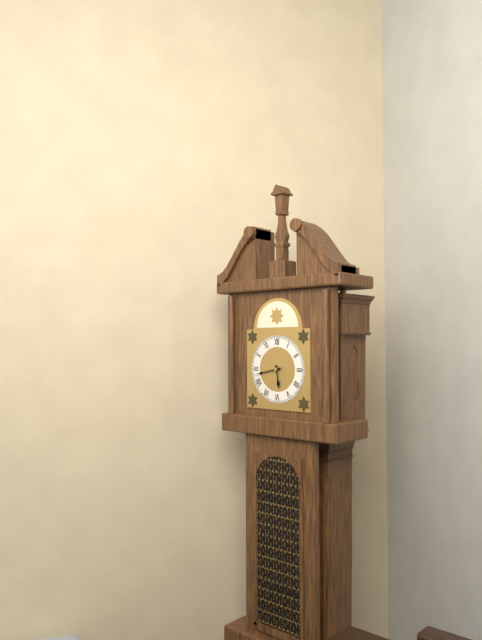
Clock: 5 h 43 min
